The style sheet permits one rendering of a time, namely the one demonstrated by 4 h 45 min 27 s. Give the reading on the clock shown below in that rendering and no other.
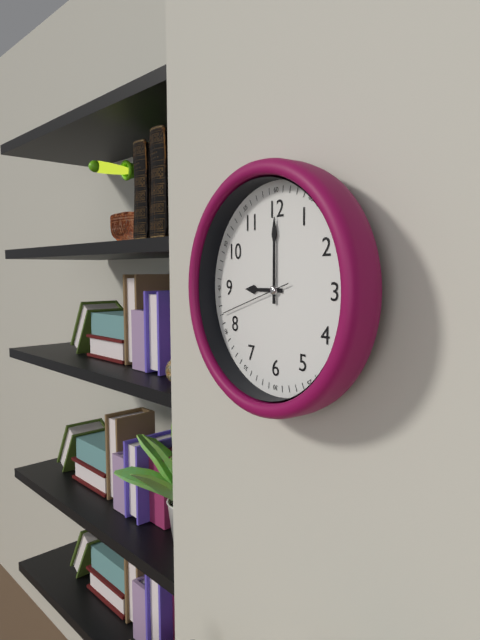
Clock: 9 h 00 min 42 s
